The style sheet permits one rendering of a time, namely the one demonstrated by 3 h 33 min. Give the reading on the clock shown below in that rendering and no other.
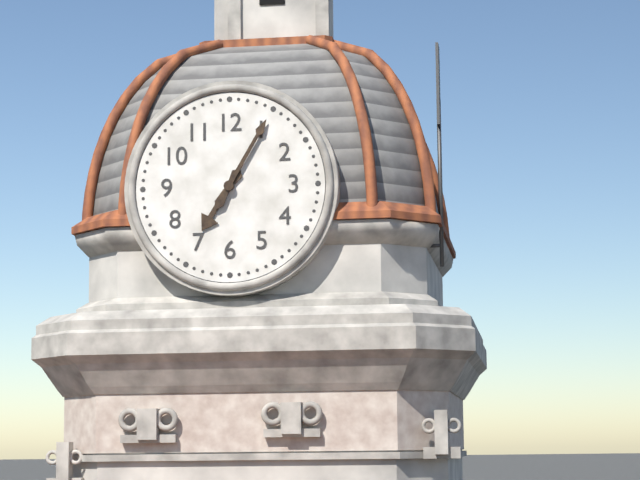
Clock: 7 h 05 min
